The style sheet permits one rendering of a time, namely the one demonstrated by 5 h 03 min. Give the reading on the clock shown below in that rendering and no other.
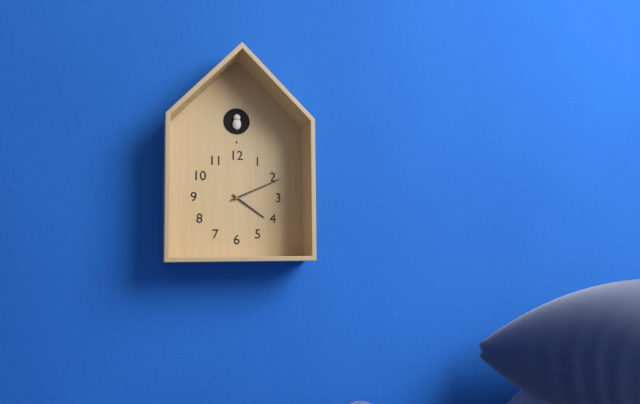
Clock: 4 h 11 min
